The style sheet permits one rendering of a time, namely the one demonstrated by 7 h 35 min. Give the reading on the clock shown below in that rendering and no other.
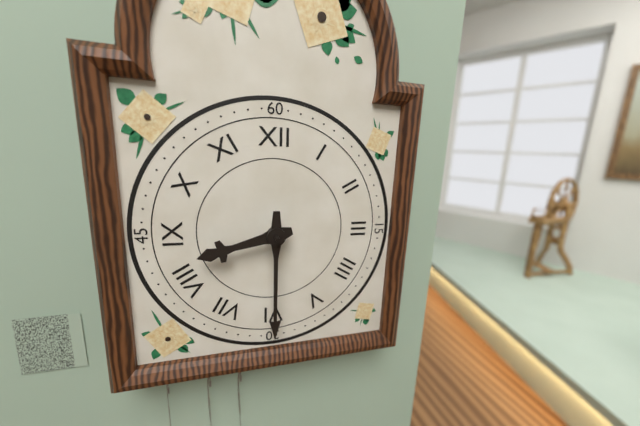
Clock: 8 h 30 min
